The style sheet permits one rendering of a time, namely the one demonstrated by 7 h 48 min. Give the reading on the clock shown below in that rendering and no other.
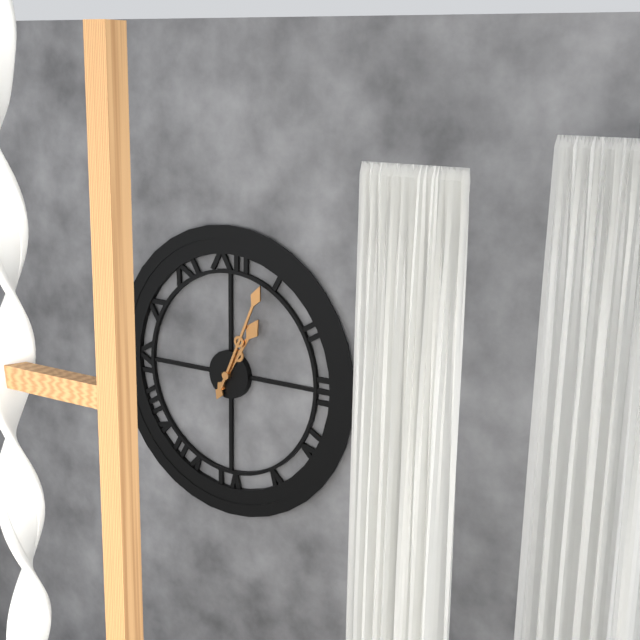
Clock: 1 h 04 min
